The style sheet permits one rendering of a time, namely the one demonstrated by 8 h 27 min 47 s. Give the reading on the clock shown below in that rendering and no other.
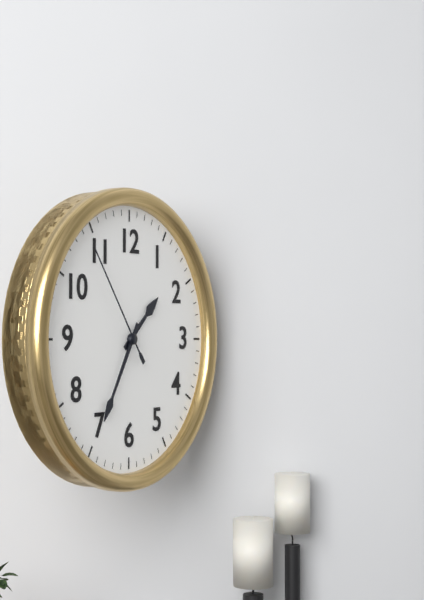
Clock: 1 h 35 min 54 s
